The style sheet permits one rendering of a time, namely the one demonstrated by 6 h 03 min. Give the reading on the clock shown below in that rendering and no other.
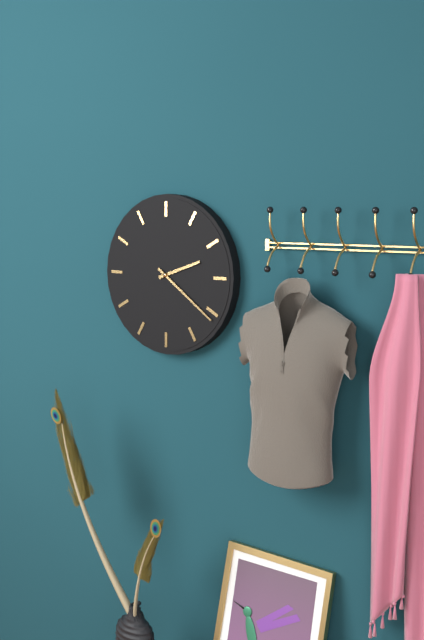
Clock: 2 h 21 min
